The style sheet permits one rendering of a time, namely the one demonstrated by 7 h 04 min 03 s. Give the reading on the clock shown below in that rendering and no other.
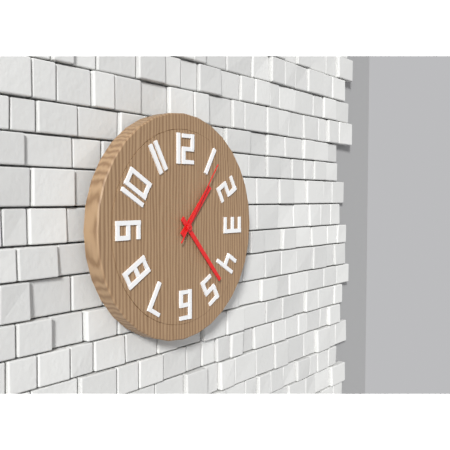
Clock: 1 h 23 min 06 s
